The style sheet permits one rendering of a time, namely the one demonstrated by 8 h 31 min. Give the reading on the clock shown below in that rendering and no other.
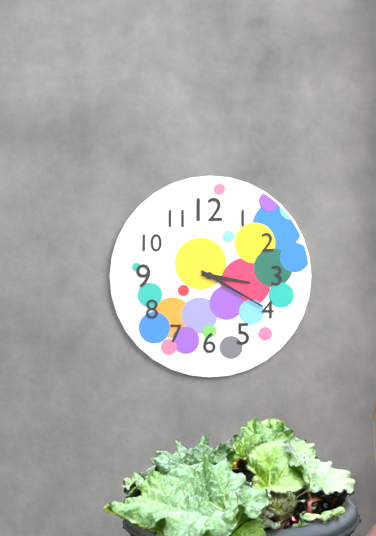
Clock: 3 h 20 min
